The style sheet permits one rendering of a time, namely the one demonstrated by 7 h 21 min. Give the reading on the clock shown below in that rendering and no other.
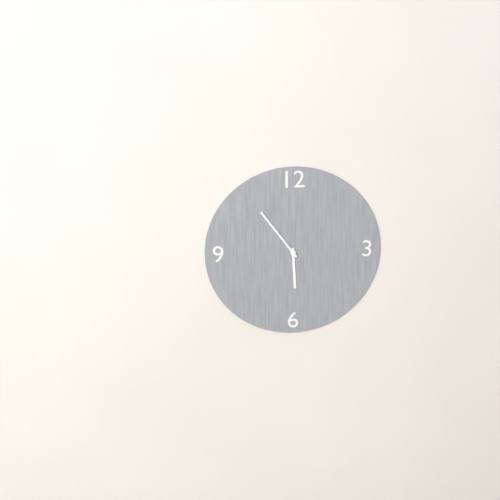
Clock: 5 h 54 min
